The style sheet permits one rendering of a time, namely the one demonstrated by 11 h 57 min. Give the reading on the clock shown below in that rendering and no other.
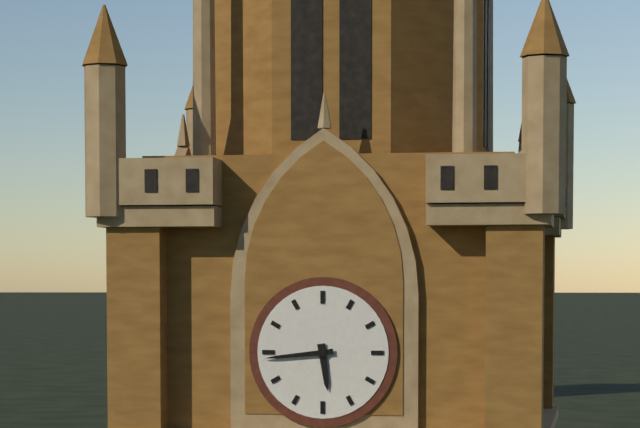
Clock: 5 h 44 min
